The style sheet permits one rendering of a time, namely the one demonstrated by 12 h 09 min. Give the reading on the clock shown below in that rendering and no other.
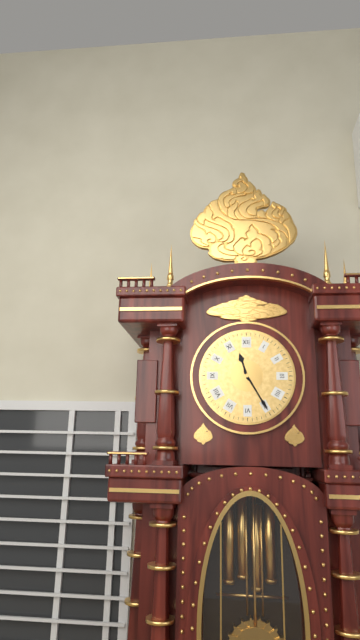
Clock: 11 h 25 min
